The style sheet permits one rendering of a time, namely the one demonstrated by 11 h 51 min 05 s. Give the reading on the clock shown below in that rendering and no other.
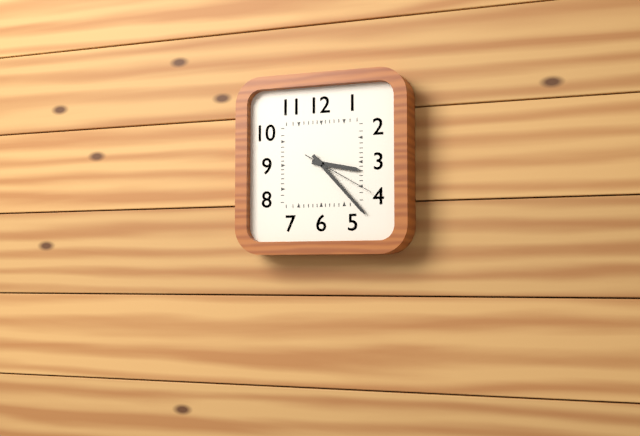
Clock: 3 h 23 min 20 s
